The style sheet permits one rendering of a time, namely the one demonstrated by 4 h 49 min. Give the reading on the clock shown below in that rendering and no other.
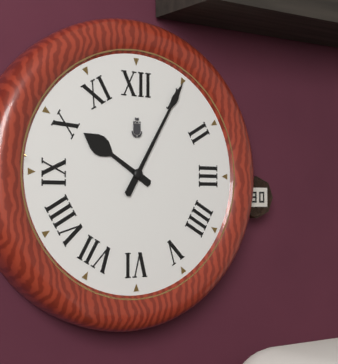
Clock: 10 h 05 min
